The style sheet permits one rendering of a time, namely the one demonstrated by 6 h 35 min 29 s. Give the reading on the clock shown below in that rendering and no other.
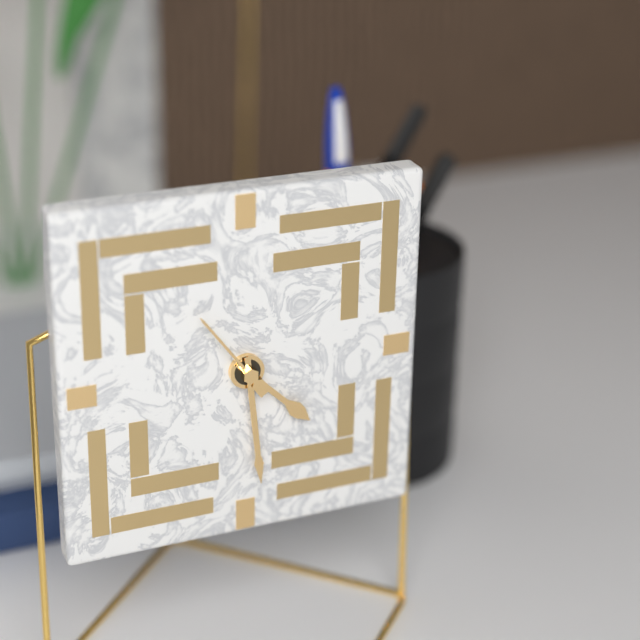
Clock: 4 h 29 min 54 s
